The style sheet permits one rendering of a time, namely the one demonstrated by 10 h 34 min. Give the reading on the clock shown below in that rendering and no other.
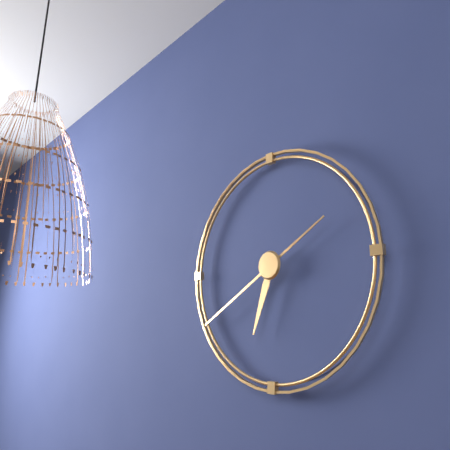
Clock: 6 h 40 min
